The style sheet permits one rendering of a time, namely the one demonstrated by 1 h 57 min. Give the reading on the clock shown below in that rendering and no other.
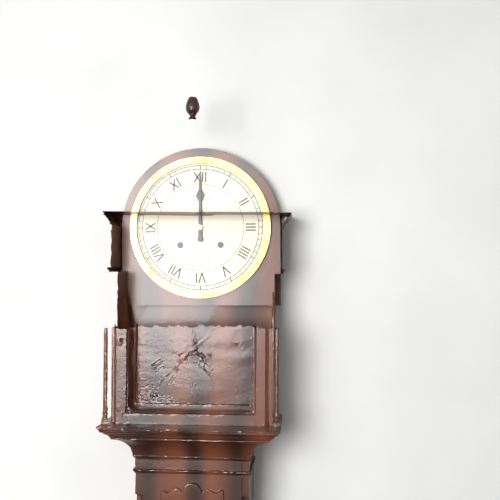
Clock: 12 h 00 min
